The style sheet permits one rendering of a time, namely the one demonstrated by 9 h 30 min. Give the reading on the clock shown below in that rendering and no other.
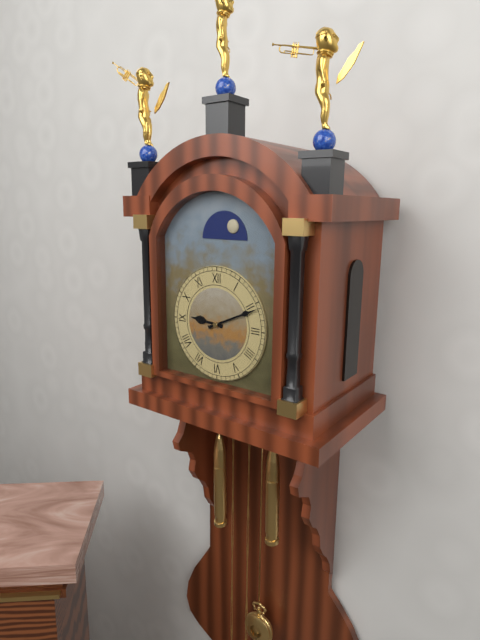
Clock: 9 h 11 min
